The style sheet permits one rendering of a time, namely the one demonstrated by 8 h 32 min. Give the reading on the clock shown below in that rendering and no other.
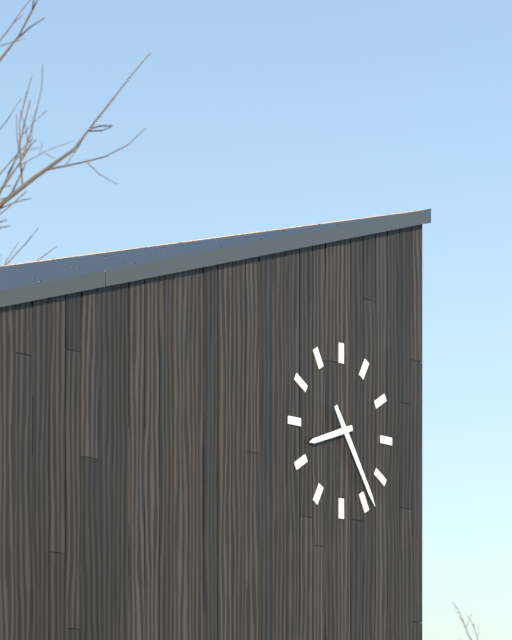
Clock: 8 h 24 min
